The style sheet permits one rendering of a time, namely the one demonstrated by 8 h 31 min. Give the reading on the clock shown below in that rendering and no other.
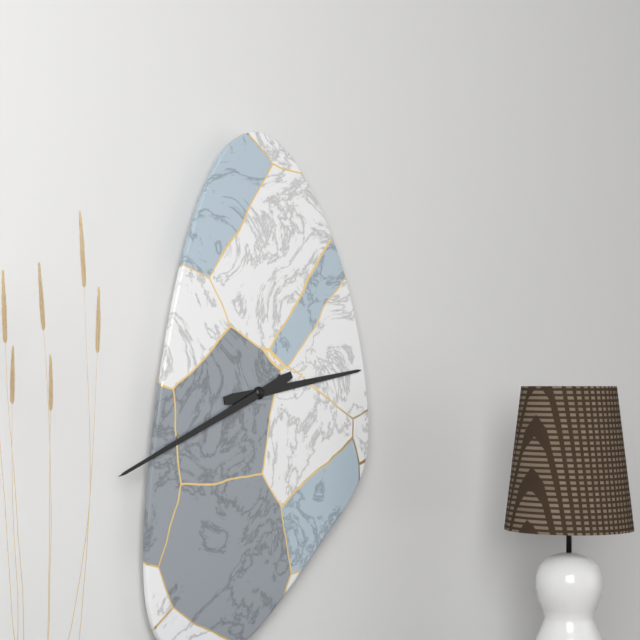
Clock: 2 h 41 min
